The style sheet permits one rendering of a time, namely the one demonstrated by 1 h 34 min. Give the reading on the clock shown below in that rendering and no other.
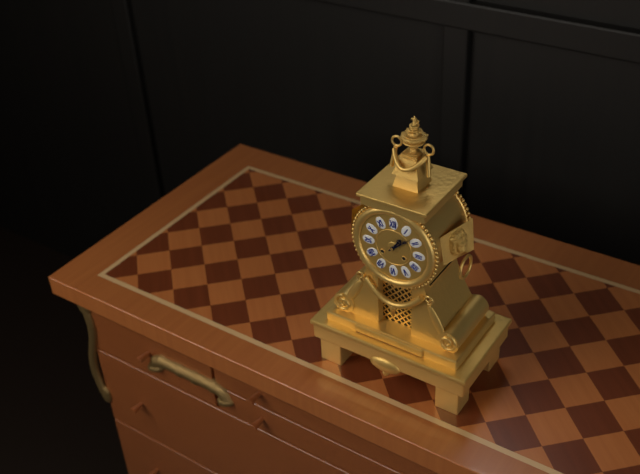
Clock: 1 h 08 min
